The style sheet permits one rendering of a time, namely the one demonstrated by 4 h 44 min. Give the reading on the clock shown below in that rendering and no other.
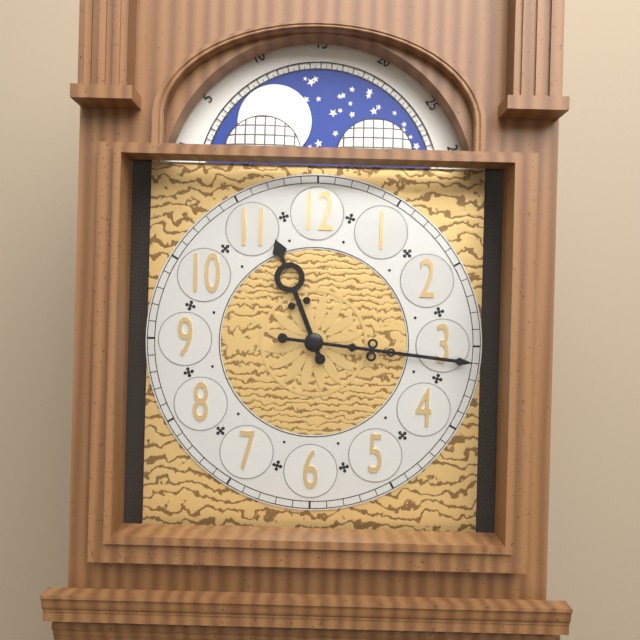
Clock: 11 h 16 min
